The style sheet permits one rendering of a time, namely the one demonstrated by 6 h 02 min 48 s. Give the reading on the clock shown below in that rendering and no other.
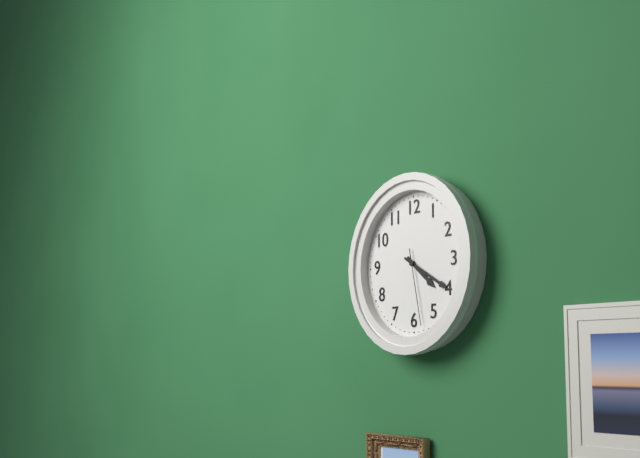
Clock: 4 h 20 min 28 s
